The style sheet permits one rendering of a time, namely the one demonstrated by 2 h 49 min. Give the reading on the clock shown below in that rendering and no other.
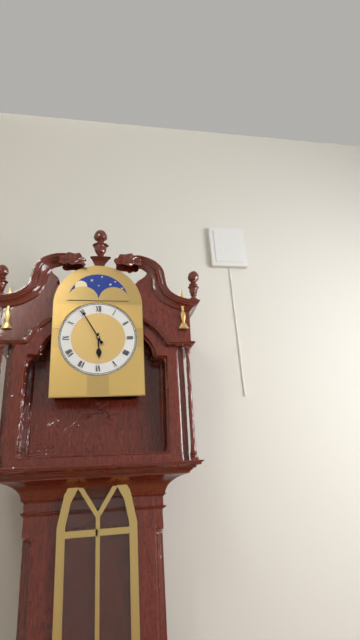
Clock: 5 h 55 min
